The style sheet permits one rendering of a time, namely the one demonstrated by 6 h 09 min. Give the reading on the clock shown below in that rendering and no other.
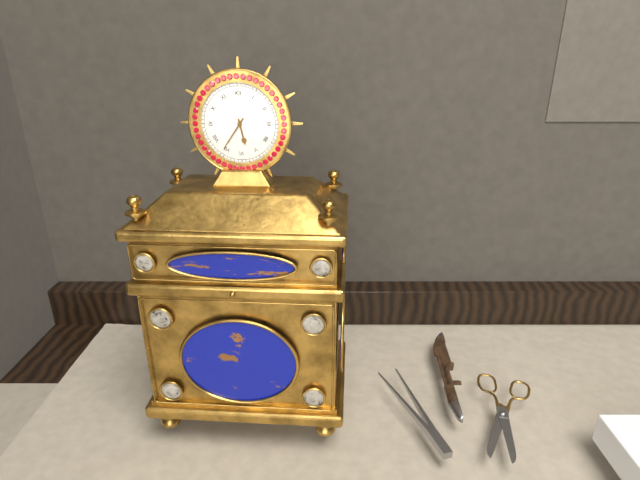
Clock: 5 h 36 min
